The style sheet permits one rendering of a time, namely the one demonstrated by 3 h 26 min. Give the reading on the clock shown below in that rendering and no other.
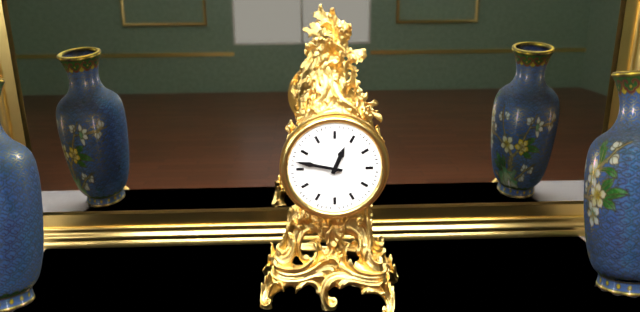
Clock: 12 h 47 min
